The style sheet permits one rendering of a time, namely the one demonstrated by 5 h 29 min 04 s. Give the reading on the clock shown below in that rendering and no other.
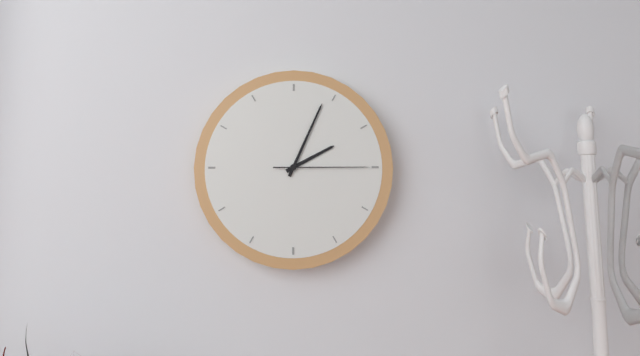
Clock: 2 h 04 min 15 s
